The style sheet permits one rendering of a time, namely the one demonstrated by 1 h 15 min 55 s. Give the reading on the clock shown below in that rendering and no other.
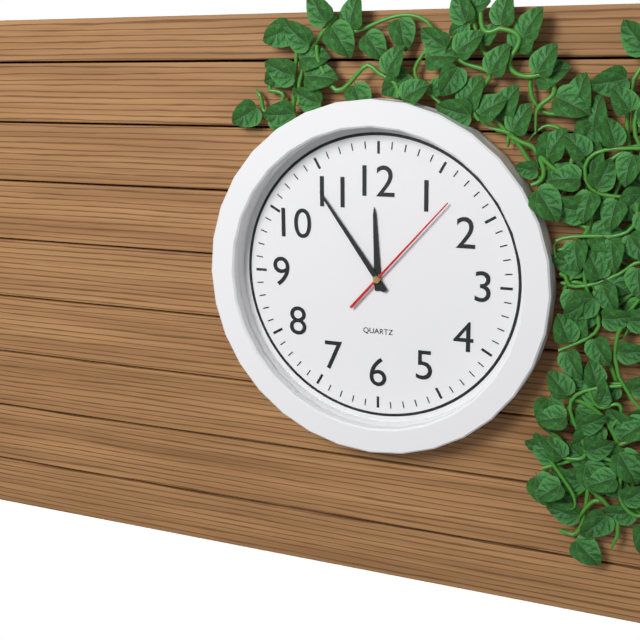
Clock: 11 h 54 min 07 s
